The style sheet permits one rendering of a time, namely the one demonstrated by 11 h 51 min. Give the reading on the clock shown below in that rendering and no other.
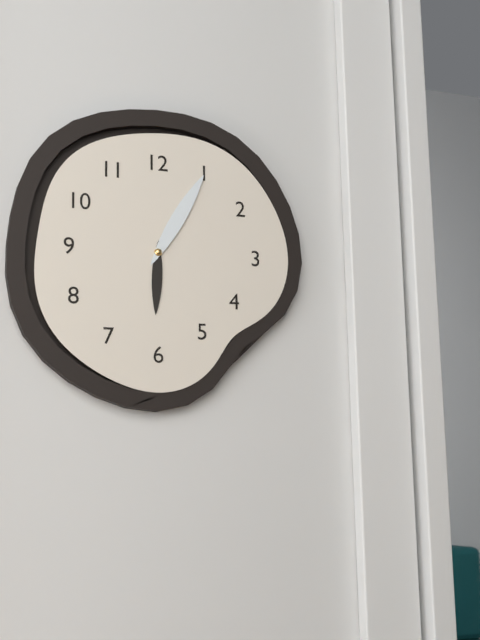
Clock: 6 h 05 min
